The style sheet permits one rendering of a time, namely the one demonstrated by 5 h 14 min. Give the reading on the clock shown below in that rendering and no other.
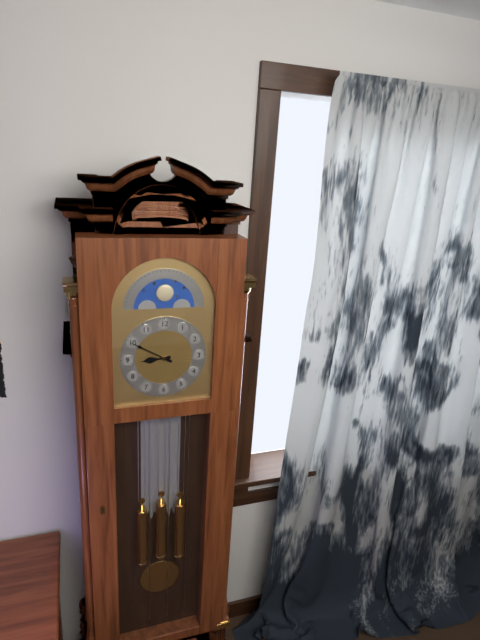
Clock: 8 h 50 min
